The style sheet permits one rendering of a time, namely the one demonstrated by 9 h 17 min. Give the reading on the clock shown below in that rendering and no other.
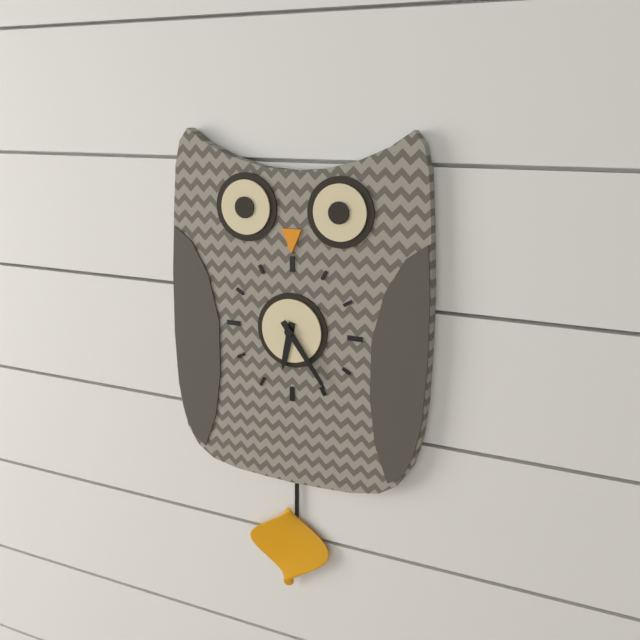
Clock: 6 h 24 min
